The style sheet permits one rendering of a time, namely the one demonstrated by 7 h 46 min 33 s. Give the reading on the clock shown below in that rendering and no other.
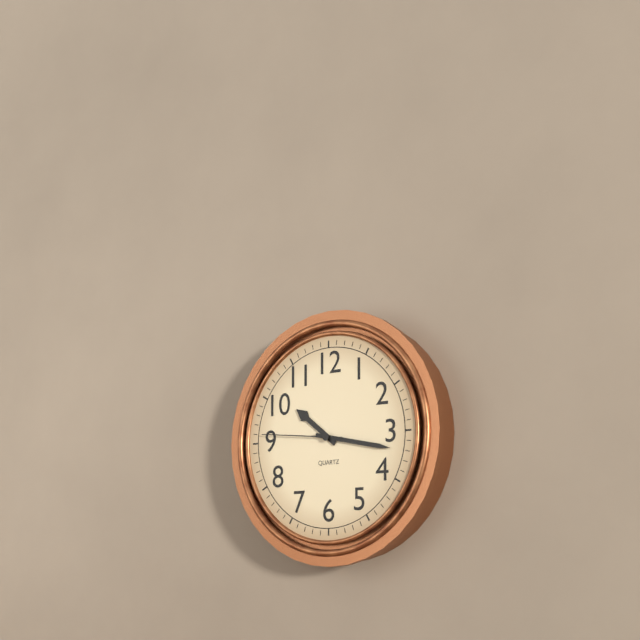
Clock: 10 h 17 min 46 s
